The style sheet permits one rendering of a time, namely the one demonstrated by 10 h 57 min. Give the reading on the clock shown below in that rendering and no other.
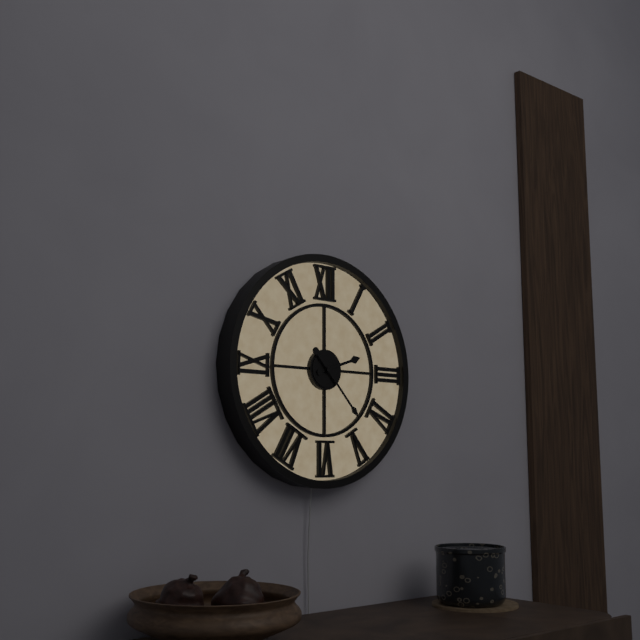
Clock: 2 h 23 min
